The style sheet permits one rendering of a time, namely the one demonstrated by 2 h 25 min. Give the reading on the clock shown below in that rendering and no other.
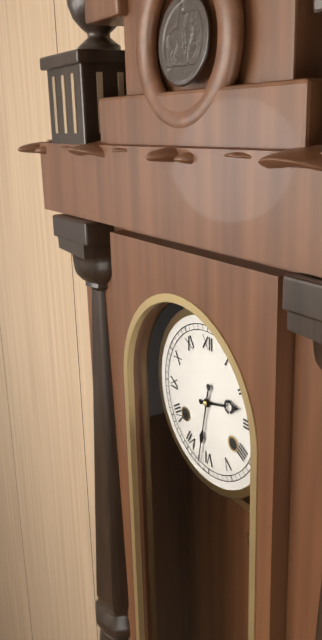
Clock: 2 h 32 min
